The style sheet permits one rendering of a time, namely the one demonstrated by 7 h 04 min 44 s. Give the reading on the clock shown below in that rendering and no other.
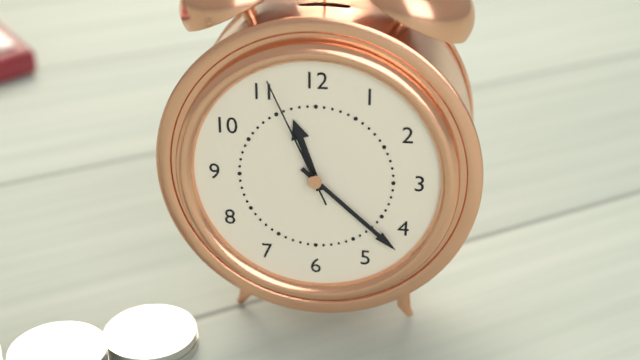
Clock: 11 h 22 min 56 s
